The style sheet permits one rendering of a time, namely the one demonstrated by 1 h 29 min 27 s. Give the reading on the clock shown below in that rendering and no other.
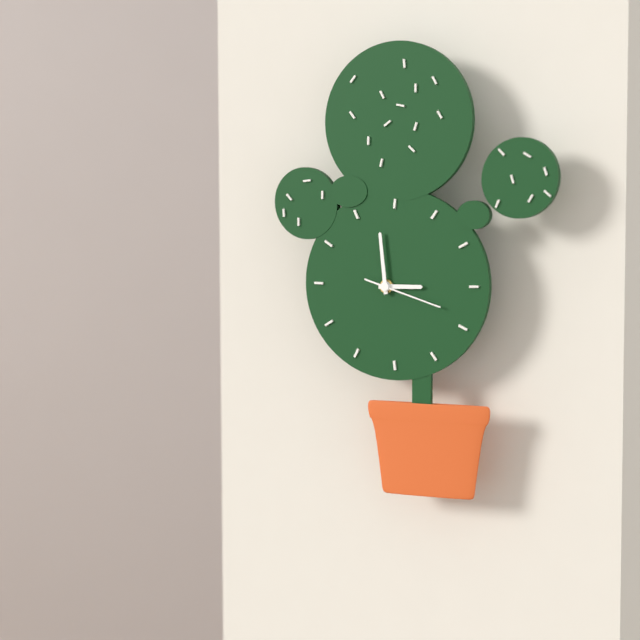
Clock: 2 h 59 min 18 s
